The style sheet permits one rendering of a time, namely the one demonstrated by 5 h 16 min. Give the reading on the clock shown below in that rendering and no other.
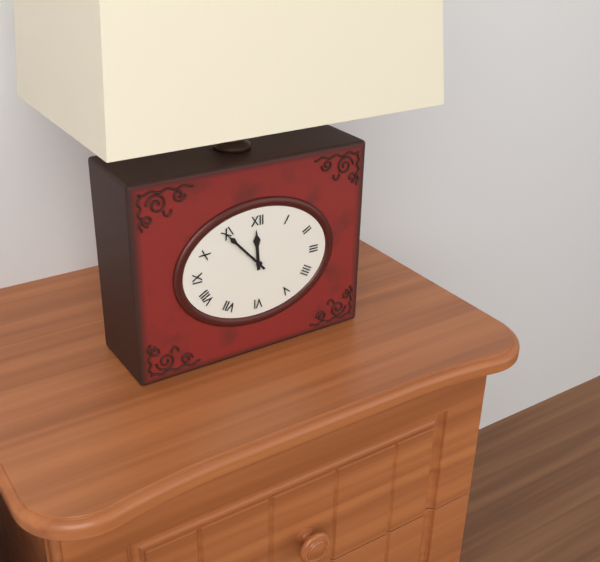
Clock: 11 h 53 min
